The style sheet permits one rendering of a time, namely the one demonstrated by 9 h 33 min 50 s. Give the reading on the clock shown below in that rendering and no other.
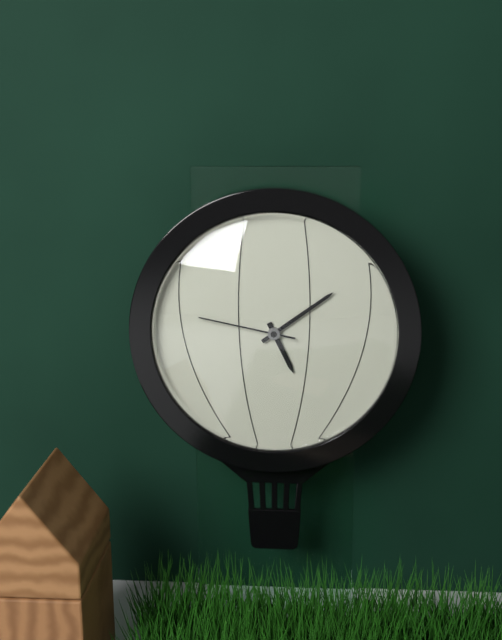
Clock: 5 h 09 min 47 s
